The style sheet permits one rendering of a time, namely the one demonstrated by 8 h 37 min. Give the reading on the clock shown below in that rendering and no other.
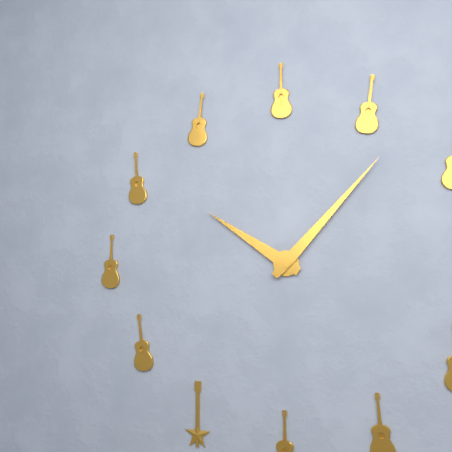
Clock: 10 h 07 min
